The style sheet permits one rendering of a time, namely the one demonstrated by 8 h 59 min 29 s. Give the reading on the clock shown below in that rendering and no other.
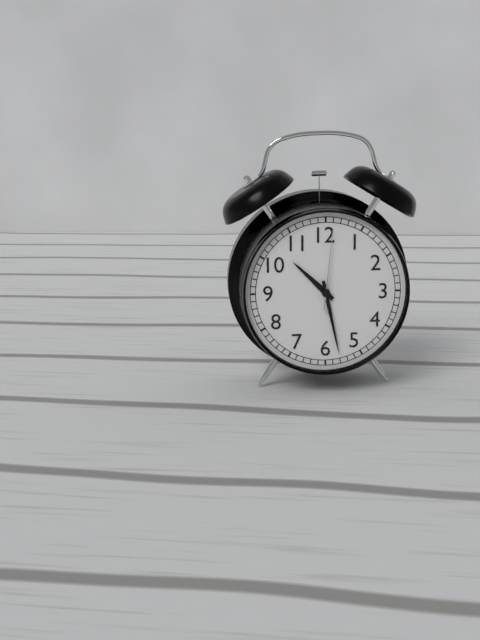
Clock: 10 h 28 min 01 s
